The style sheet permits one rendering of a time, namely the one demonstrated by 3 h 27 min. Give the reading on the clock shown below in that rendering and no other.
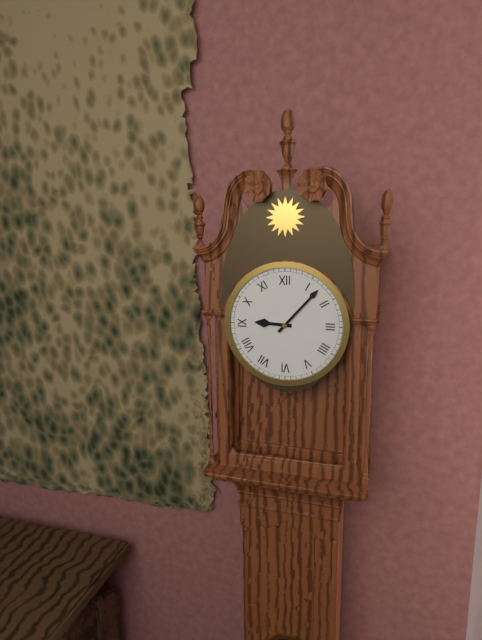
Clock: 9 h 07 min
